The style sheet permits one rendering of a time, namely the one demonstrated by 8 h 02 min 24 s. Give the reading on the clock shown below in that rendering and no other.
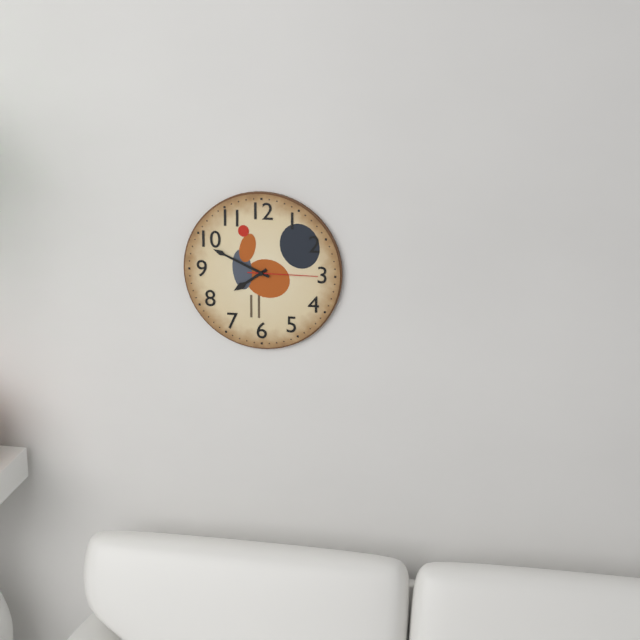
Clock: 7 h 49 min 15 s
